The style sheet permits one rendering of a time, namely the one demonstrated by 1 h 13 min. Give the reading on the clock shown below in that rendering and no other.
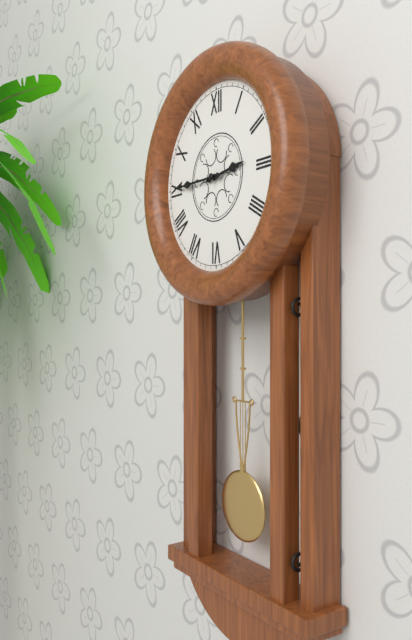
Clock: 2 h 45 min
